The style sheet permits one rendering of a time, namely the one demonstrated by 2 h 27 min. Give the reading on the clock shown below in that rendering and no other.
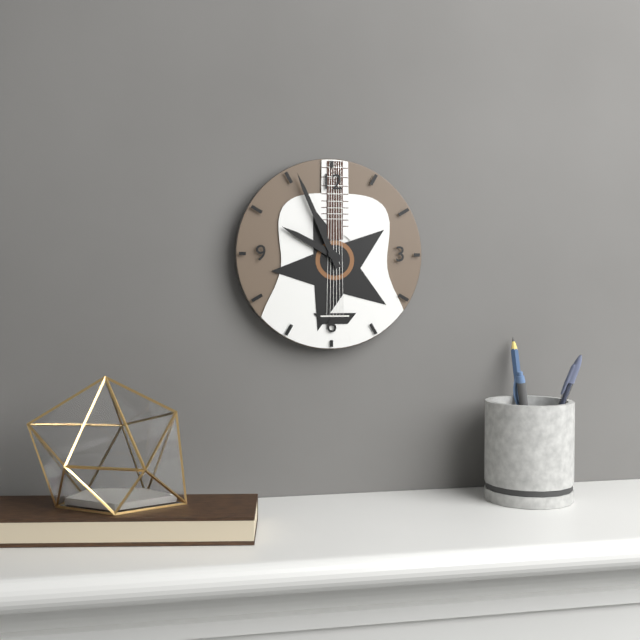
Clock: 9 h 56 min
